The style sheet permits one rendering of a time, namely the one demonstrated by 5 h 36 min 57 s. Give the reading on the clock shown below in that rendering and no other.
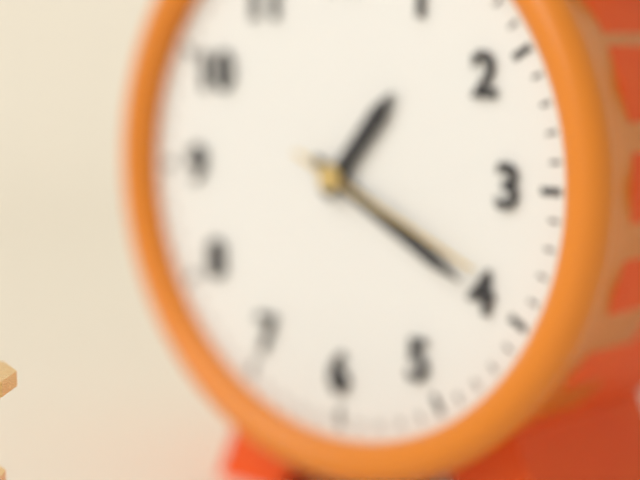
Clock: 1 h 20 min 19 s
